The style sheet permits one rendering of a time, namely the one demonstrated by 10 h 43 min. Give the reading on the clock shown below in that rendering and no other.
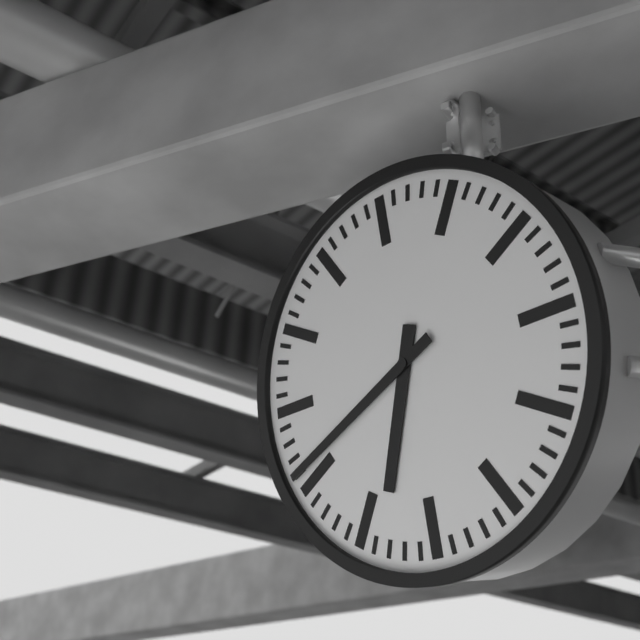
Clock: 6 h 41 min
